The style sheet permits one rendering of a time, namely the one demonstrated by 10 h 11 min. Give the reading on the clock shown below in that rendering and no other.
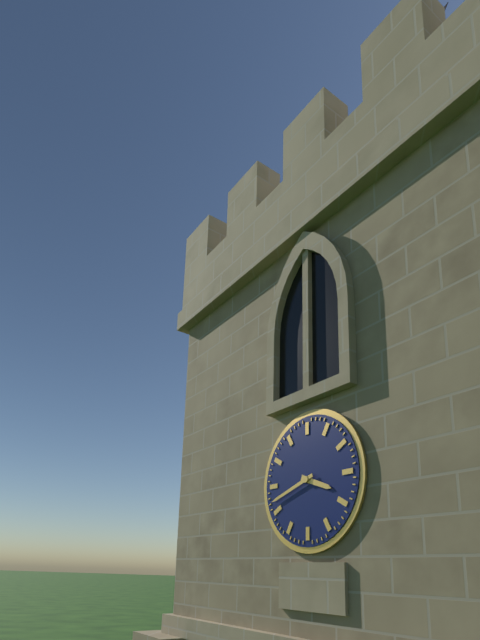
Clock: 3 h 42 min
